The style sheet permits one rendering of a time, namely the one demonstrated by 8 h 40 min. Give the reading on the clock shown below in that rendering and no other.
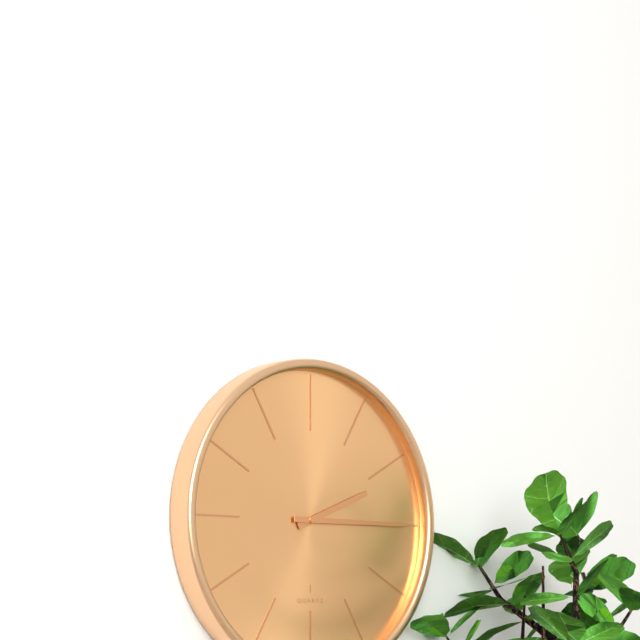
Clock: 2 h 15 min
